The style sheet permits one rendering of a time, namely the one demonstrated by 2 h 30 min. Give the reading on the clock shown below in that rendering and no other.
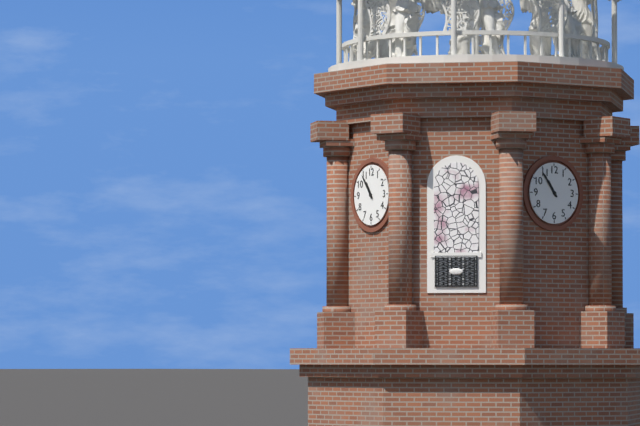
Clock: 10 h 54 min
